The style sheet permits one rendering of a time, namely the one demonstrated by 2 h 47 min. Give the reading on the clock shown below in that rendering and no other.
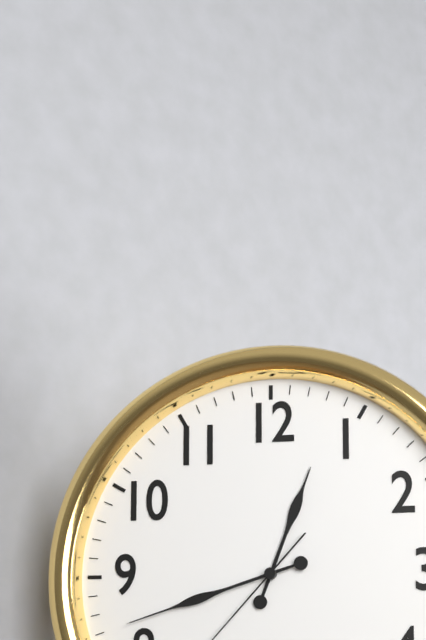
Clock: 12 h 42 min
